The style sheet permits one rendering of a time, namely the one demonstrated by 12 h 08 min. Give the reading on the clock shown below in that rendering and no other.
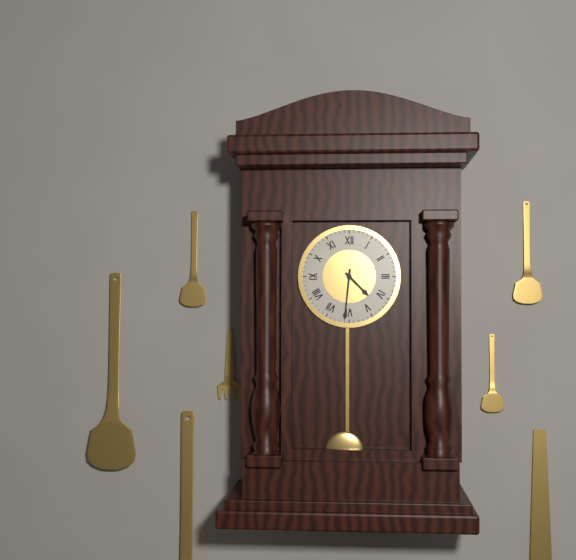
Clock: 4 h 31 min
